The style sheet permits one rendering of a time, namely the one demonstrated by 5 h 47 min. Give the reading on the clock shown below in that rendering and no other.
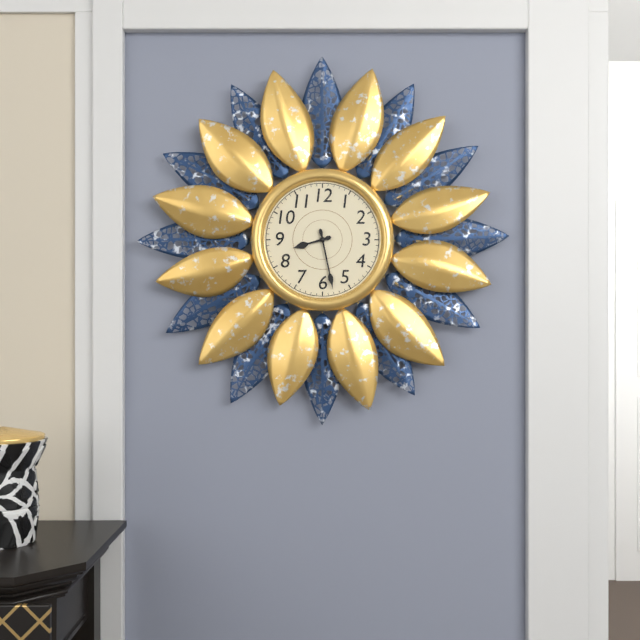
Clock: 8 h 28 min
